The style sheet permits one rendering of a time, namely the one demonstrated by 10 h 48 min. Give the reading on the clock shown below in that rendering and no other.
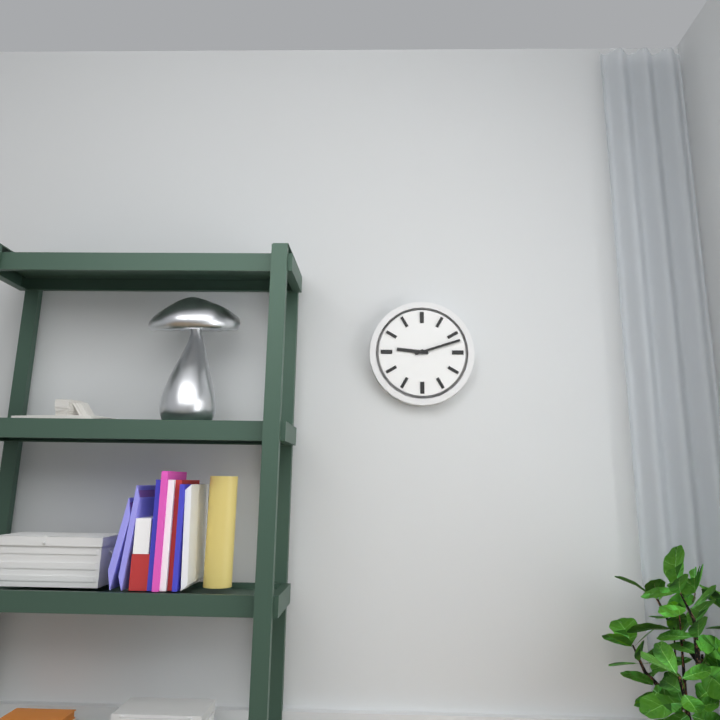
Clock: 9 h 12 min
